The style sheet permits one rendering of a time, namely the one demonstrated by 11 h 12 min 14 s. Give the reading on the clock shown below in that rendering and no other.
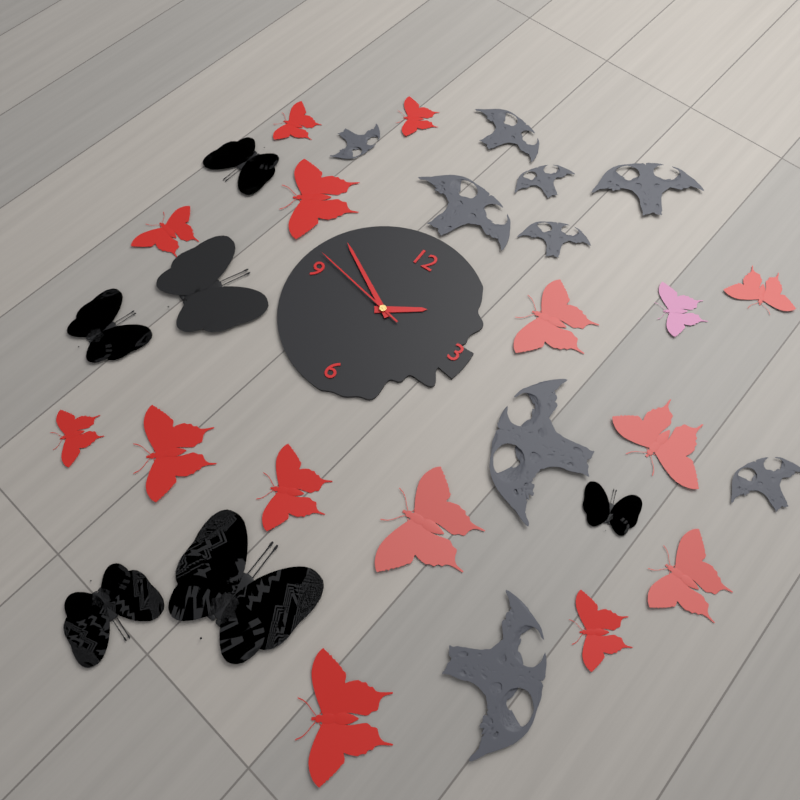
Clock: 1 h 50 min 47 s
